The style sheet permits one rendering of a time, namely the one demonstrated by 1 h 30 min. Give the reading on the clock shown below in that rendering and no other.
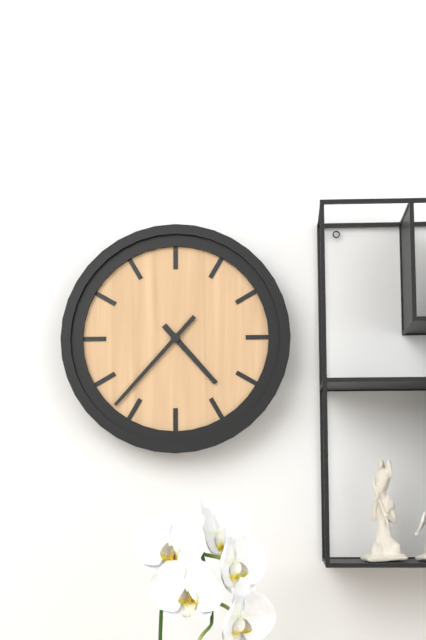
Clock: 4 h 37 min
